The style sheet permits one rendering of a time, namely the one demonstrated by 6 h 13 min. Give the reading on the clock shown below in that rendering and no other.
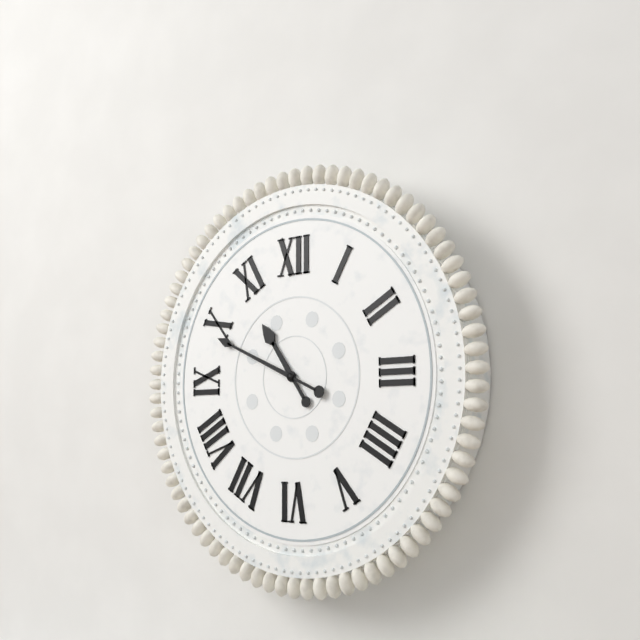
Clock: 10 h 49 min
